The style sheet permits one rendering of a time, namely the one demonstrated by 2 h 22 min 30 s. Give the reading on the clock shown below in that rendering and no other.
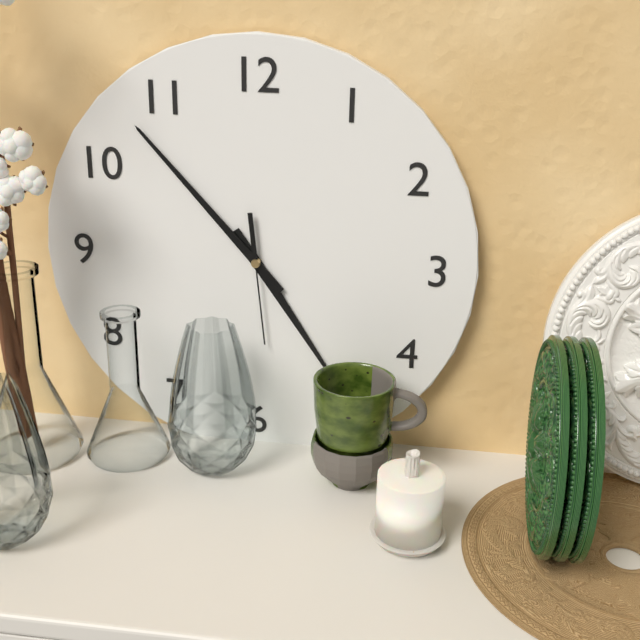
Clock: 4 h 53 min 29 s
